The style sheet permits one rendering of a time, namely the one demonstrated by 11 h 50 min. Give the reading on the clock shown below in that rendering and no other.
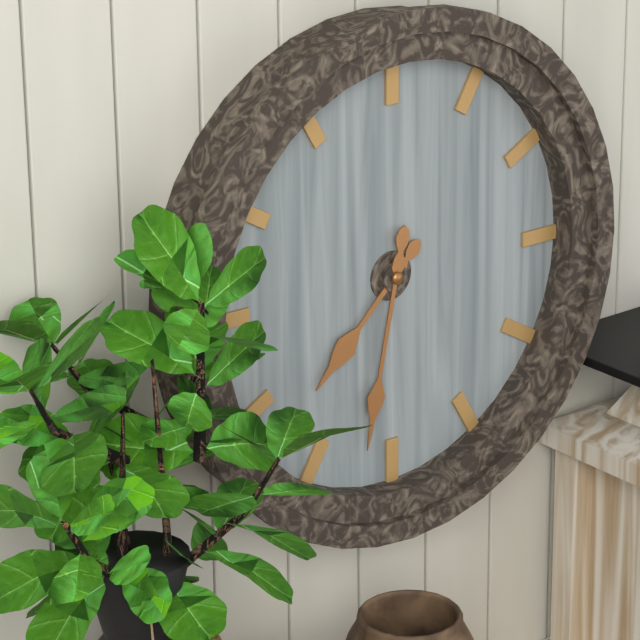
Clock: 7 h 32 min
